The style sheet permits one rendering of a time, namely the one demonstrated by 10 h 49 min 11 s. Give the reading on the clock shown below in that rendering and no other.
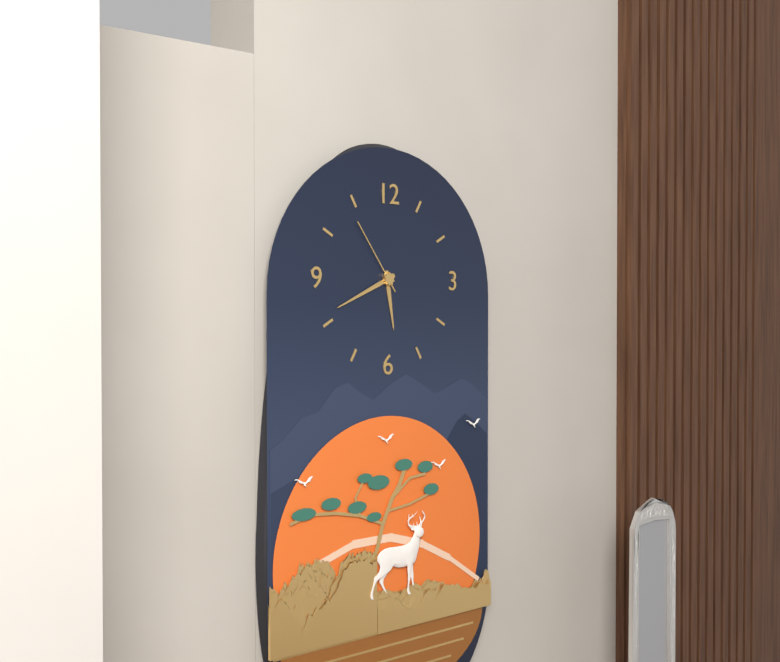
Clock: 5 h 41 min 54 s
